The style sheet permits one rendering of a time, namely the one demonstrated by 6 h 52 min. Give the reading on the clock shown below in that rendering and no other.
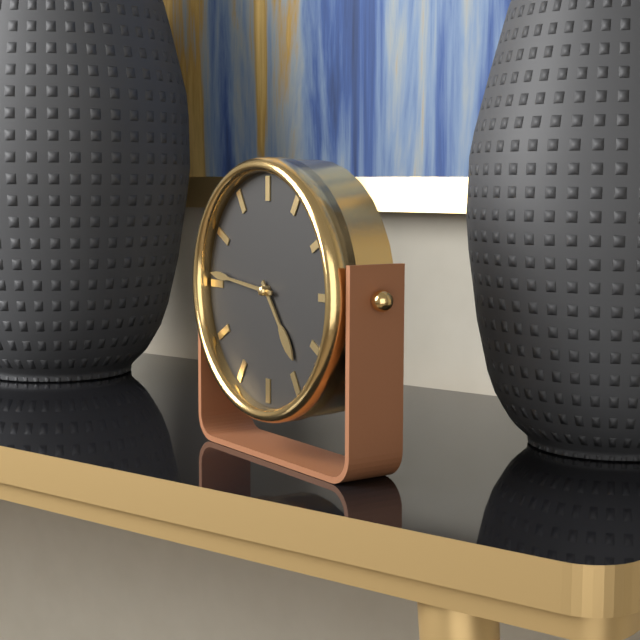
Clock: 4 h 46 min
